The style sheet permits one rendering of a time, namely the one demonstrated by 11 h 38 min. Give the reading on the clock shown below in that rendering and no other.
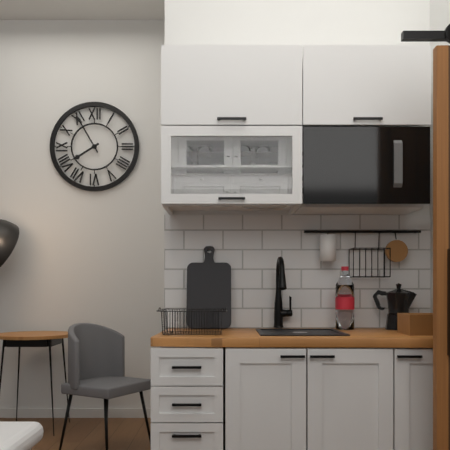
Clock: 7 h 55 min
